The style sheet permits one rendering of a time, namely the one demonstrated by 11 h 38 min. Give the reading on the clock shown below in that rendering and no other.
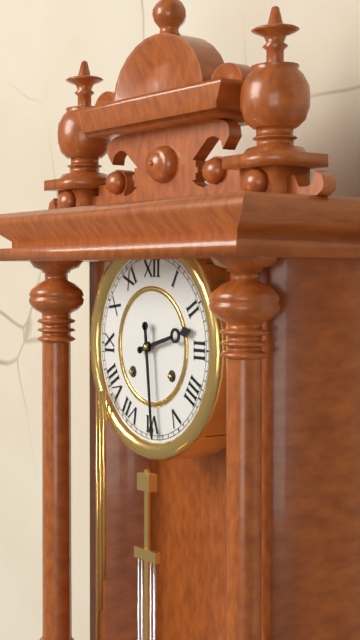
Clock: 2 h 29 min
